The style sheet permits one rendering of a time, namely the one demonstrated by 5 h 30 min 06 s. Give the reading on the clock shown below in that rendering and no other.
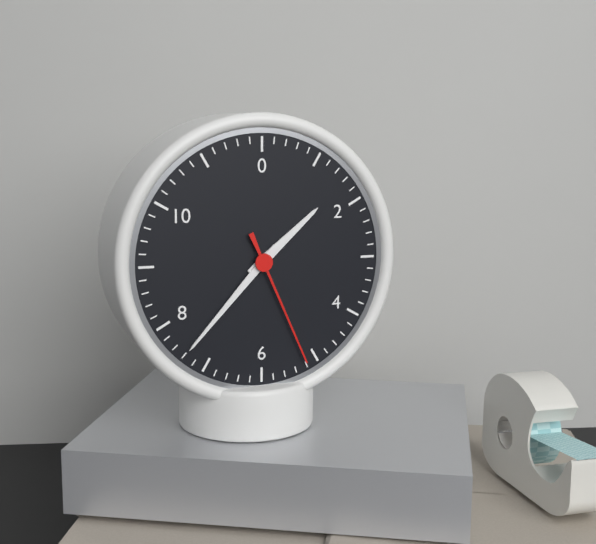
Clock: 1 h 37 min 26 s
